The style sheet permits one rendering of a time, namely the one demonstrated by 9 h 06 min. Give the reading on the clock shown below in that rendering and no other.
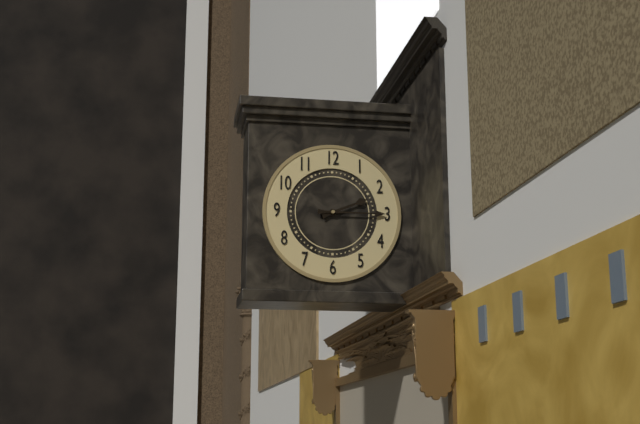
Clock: 2 h 15 min
